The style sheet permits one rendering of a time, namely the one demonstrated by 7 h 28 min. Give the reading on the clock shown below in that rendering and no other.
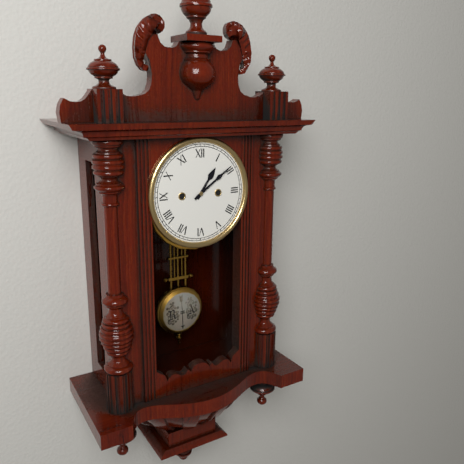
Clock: 1 h 09 min
